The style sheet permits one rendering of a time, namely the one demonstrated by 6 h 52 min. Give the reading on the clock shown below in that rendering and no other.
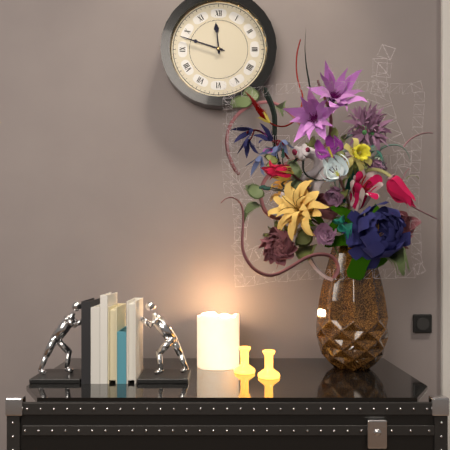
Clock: 11 h 48 min
